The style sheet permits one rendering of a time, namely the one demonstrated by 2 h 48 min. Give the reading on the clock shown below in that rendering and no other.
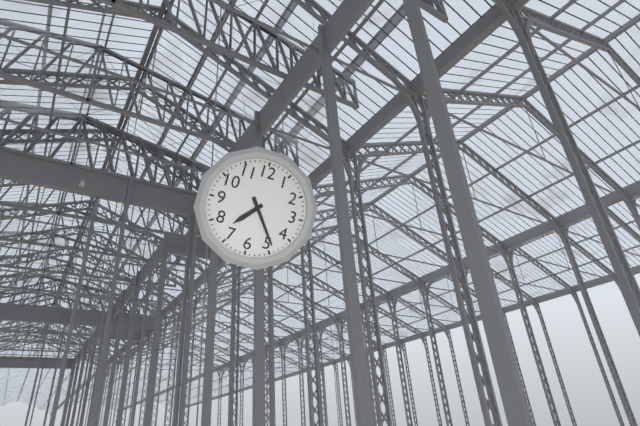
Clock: 7 h 24 min
